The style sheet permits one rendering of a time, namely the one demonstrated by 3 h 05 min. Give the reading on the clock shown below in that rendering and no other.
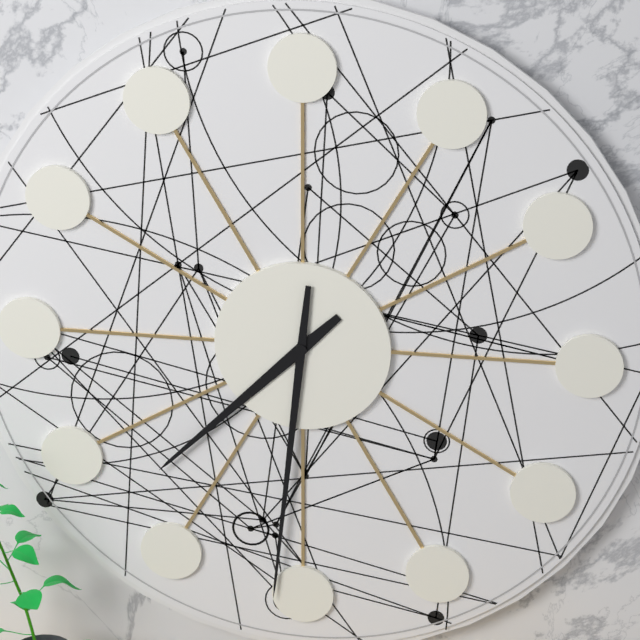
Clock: 7 h 31 min
